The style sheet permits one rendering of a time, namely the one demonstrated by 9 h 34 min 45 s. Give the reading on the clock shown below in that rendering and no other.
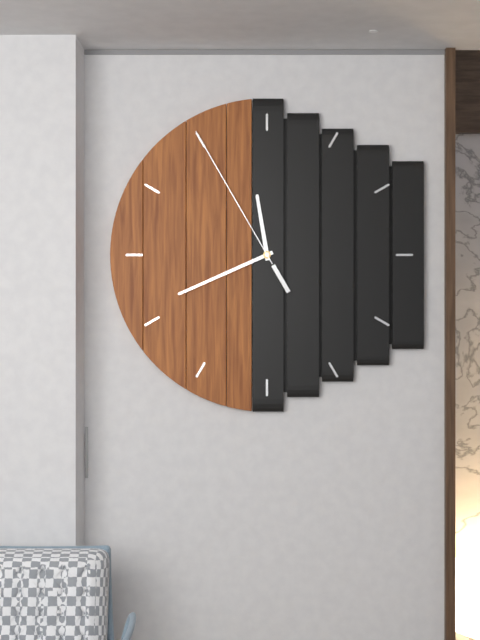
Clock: 11 h 41 min 55 s
